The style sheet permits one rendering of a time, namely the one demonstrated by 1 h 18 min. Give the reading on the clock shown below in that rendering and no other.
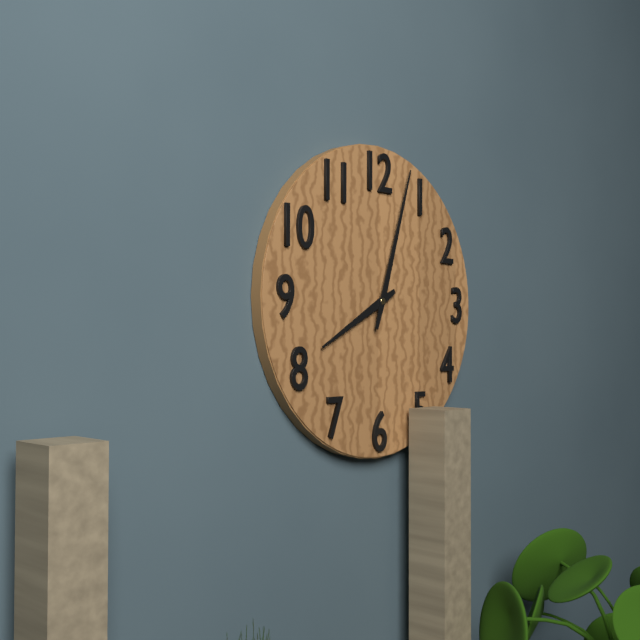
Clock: 8 h 03 min
